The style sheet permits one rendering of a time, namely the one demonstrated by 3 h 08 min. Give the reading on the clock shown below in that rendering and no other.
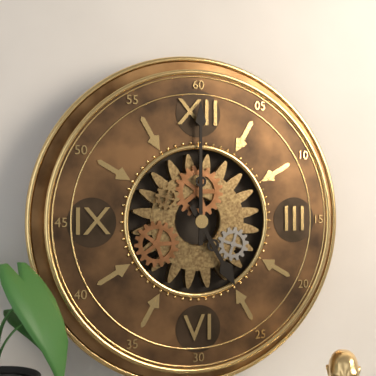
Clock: 5 h 00 min
